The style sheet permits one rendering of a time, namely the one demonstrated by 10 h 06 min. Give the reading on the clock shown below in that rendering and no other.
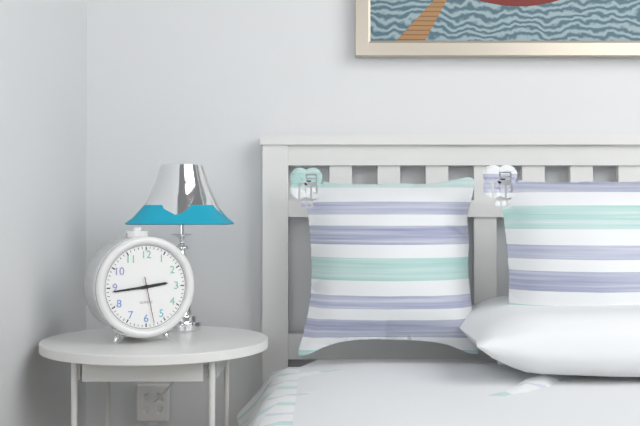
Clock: 2 h 44 min
